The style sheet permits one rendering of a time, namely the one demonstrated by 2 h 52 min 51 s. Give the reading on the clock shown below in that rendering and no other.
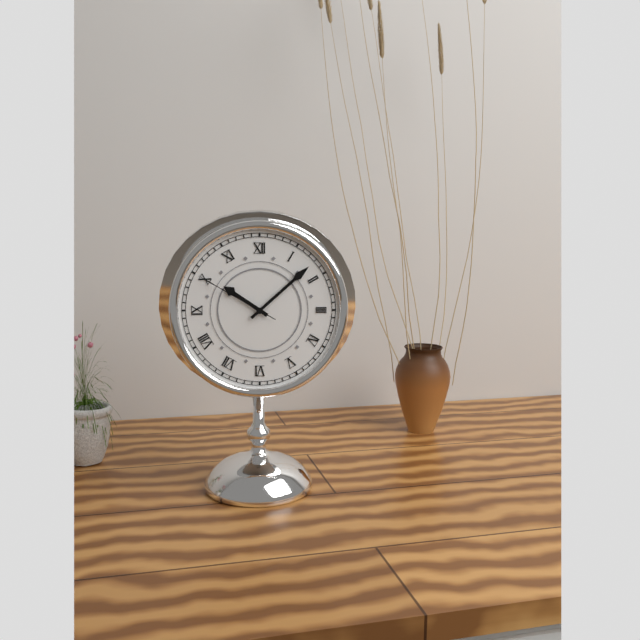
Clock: 10 h 08 min 50 s
